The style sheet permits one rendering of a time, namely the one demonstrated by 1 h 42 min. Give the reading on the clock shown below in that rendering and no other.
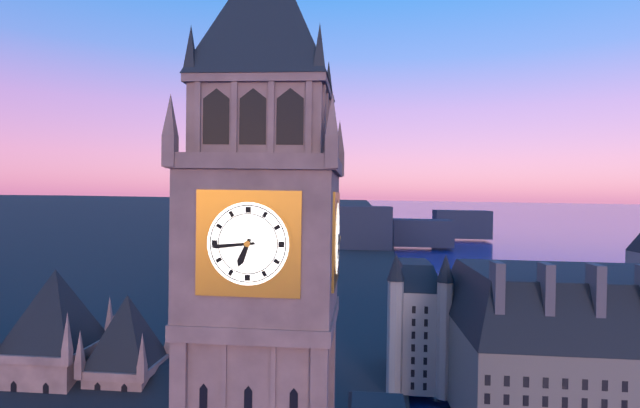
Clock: 6 h 44 min
